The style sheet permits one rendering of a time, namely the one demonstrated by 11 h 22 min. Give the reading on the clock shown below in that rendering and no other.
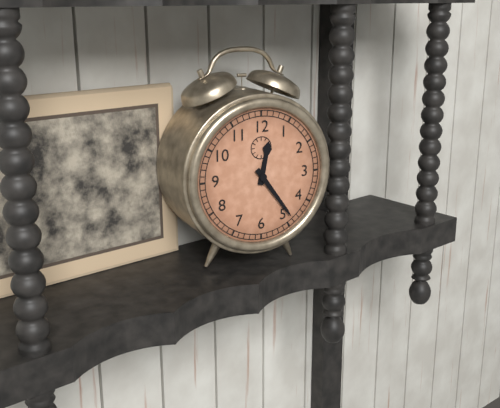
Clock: 12 h 24 min
